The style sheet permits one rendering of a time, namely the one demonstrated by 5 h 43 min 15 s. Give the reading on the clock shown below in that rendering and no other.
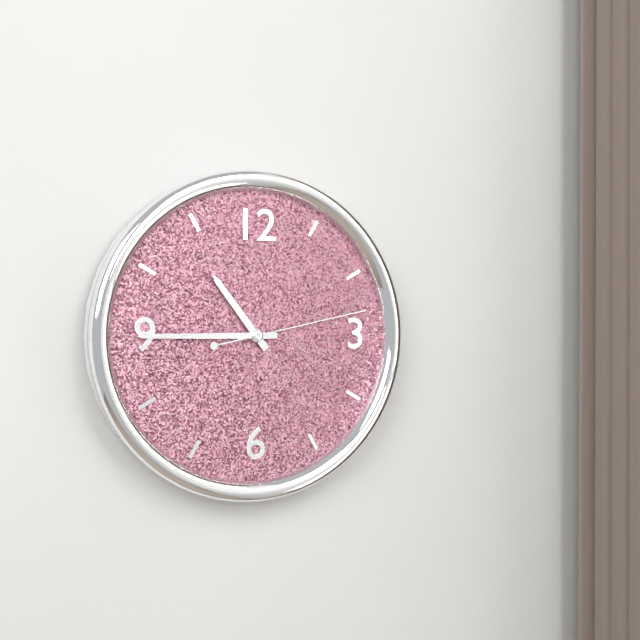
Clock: 10 h 45 min 13 s
